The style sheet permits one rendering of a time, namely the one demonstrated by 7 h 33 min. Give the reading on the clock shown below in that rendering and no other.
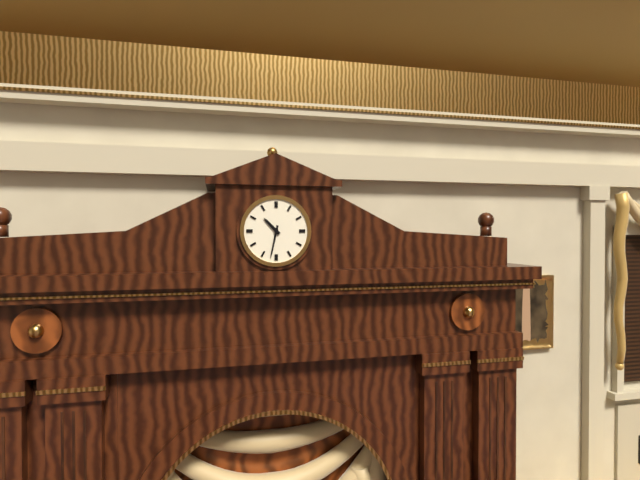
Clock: 10 h 32 min
